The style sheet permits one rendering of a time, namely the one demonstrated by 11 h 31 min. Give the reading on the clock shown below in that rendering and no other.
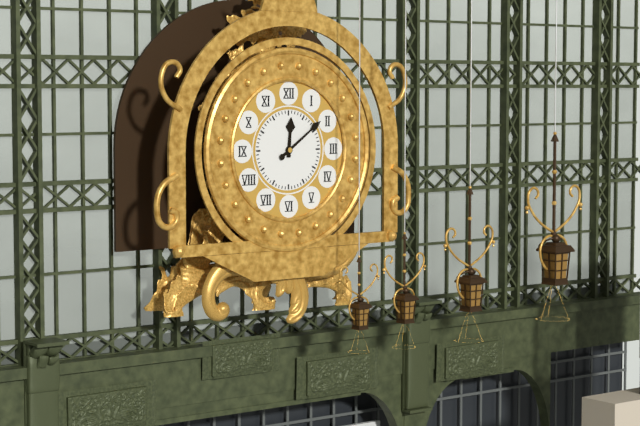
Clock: 12 h 09 min
